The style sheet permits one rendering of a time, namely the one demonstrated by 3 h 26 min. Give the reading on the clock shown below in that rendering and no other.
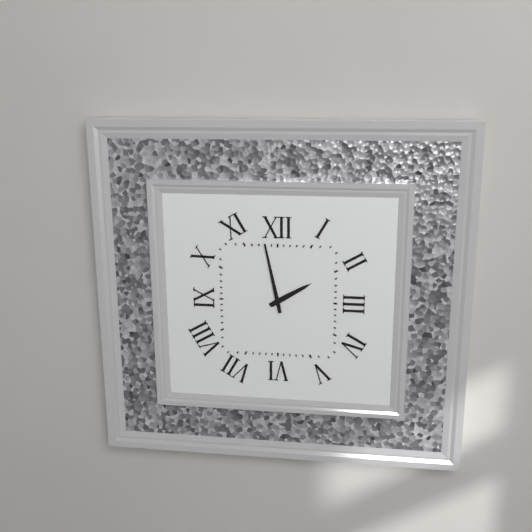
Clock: 1 h 58 min
